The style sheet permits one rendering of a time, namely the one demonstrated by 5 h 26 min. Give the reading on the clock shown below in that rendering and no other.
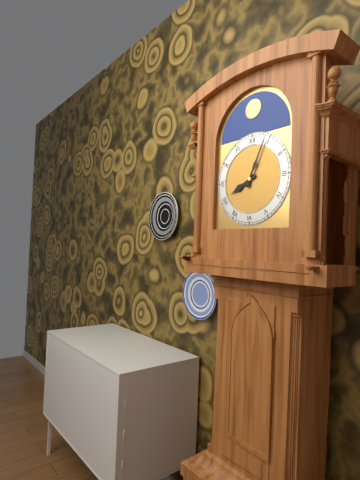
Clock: 8 h 04 min
